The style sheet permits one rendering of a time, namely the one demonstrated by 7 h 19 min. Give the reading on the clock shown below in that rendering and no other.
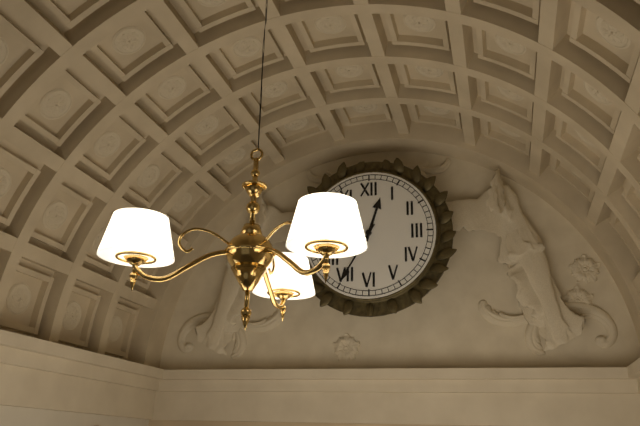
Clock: 12 h 35 min
